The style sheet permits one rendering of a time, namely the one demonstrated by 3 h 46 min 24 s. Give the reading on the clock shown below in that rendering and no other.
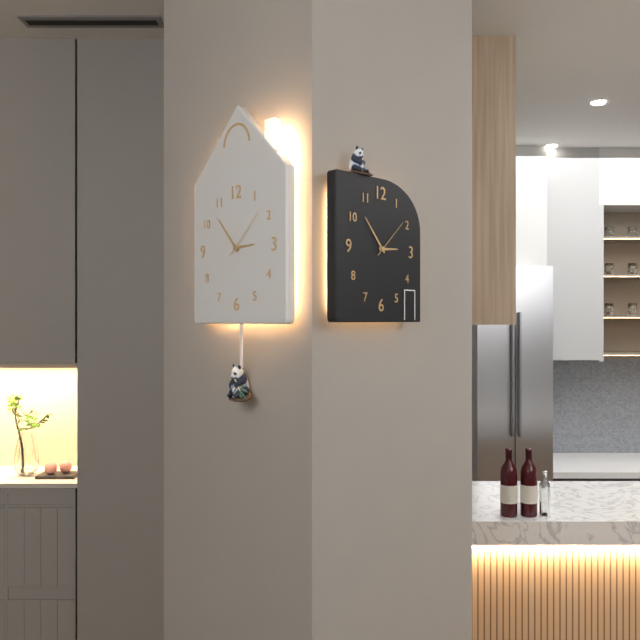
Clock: 2 h 53 min 08 s
